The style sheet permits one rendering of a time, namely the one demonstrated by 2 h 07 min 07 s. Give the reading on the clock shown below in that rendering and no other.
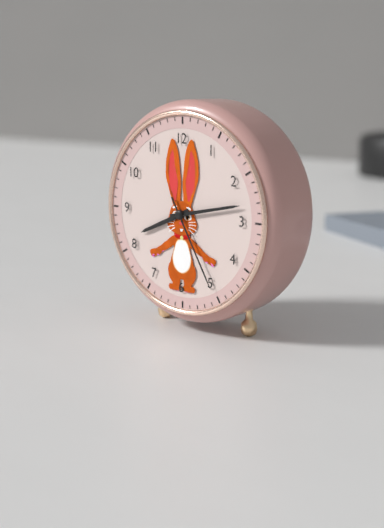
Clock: 8 h 13 min 25 s
